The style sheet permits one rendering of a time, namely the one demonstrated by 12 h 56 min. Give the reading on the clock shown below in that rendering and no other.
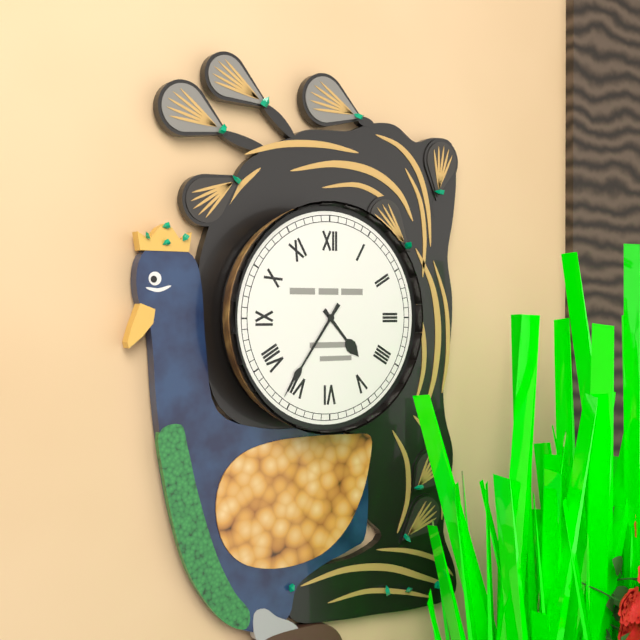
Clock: 4 h 36 min
